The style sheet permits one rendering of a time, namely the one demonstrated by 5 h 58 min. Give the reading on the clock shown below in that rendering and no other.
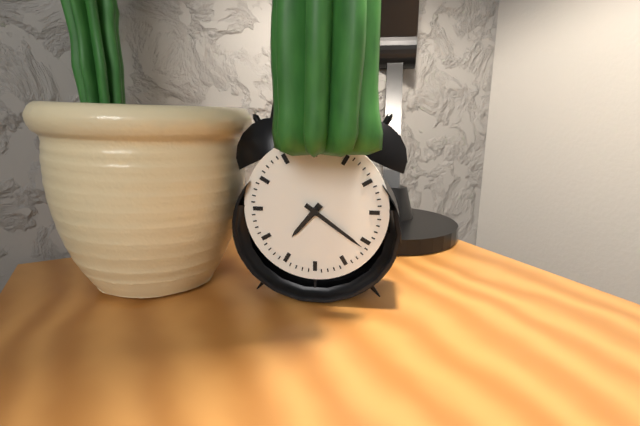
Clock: 7 h 21 min
